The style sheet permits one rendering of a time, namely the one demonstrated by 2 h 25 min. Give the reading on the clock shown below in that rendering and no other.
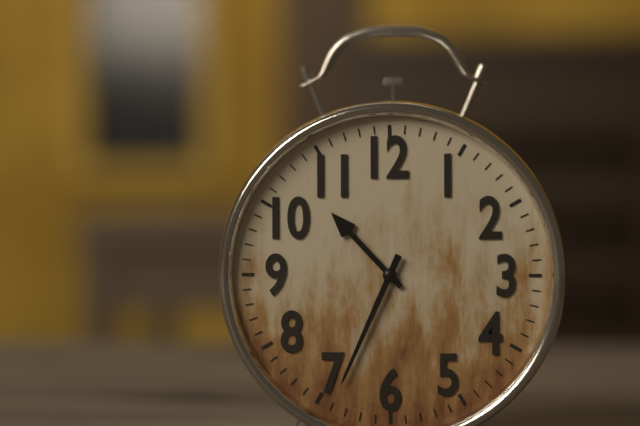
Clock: 10 h 34 min
